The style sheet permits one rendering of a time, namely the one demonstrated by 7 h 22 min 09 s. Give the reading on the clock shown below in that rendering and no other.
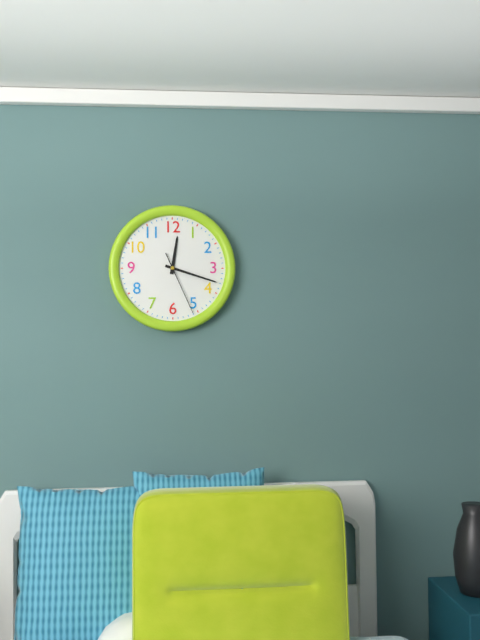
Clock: 12 h 18 min 26 s
